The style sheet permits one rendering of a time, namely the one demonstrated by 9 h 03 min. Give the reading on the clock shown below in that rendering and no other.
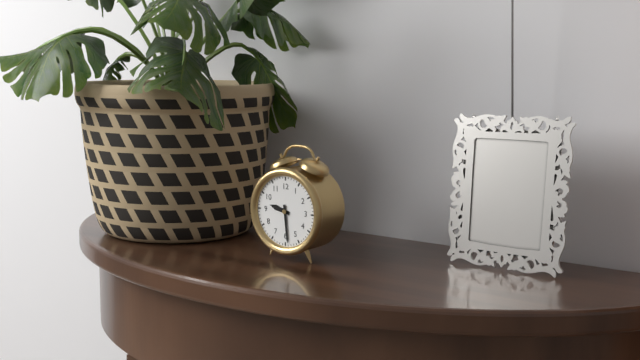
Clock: 9 h 29 min
